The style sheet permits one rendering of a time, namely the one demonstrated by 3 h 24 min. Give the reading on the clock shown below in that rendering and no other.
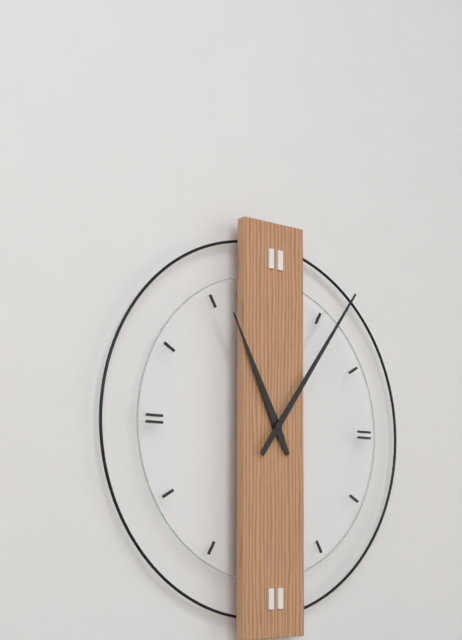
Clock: 11 h 06 min
